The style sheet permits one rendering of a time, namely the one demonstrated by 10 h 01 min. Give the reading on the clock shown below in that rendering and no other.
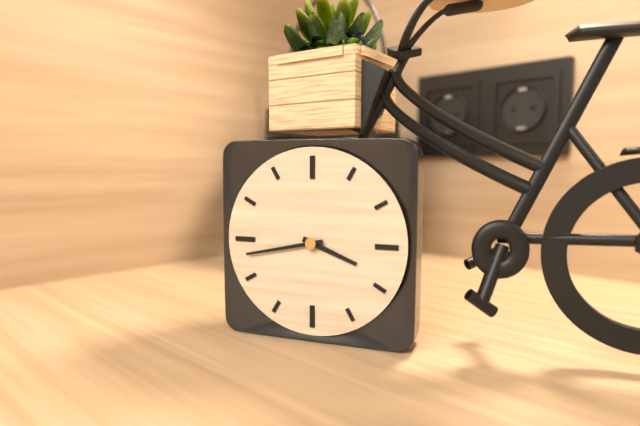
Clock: 3 h 43 min
